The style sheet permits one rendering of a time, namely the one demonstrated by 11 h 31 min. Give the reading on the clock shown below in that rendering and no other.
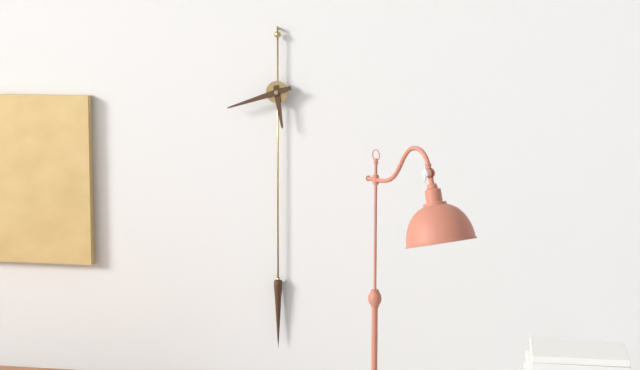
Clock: 5 h 42 min
